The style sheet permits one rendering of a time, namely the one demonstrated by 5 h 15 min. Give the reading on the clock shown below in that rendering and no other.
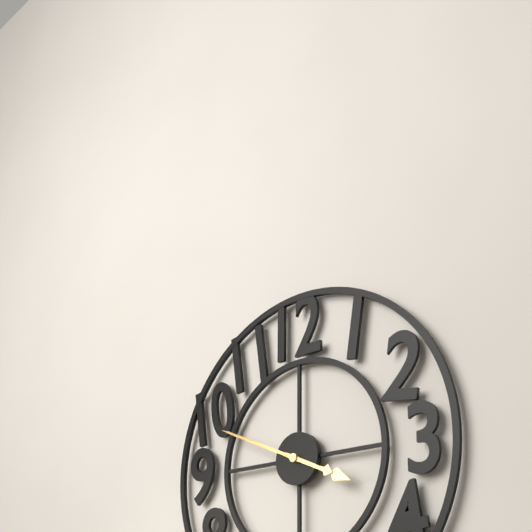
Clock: 3 h 49 min
